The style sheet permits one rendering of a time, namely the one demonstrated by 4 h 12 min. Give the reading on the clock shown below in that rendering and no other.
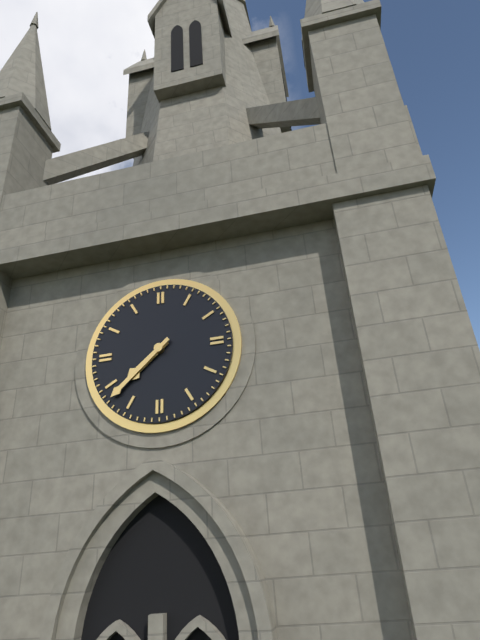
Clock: 7 h 38 min
